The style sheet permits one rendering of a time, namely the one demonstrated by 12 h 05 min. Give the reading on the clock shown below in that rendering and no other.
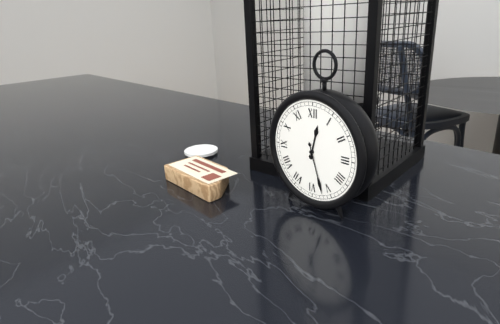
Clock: 12 h 27 min
